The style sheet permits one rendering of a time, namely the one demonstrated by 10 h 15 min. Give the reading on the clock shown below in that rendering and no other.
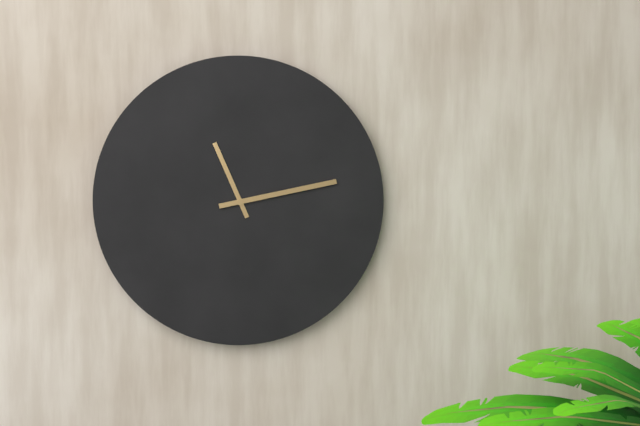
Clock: 11 h 13 min
